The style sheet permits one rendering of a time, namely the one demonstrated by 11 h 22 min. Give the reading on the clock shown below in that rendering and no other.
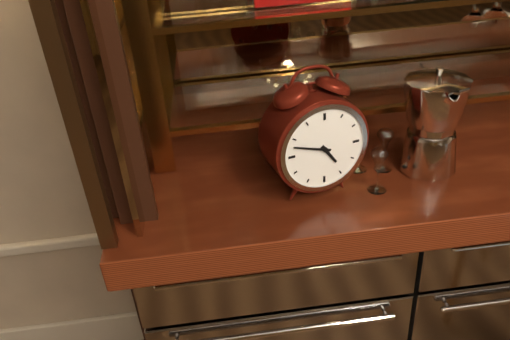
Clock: 4 h 48 min
